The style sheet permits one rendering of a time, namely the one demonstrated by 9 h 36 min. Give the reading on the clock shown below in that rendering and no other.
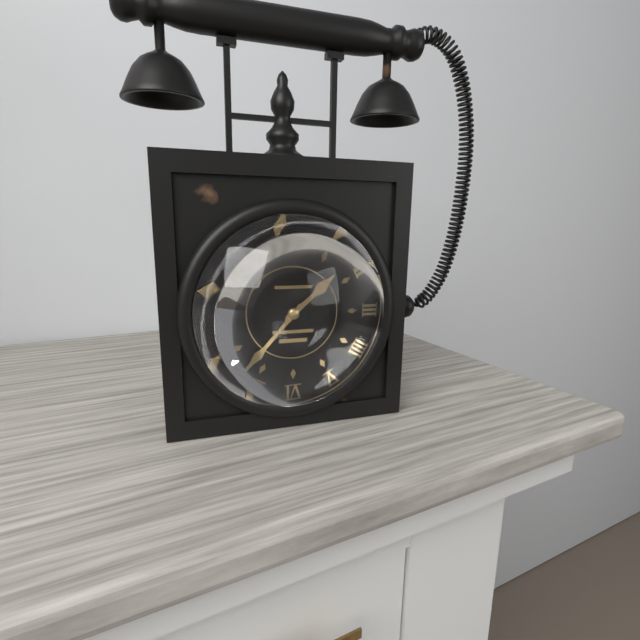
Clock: 1 h 37 min
